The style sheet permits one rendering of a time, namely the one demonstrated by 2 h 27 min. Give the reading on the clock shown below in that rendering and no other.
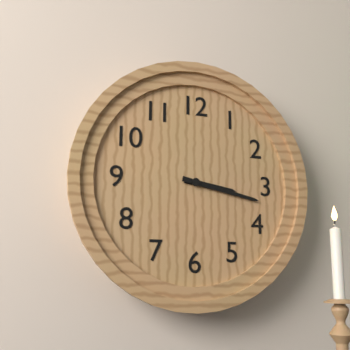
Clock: 3 h 17 min
